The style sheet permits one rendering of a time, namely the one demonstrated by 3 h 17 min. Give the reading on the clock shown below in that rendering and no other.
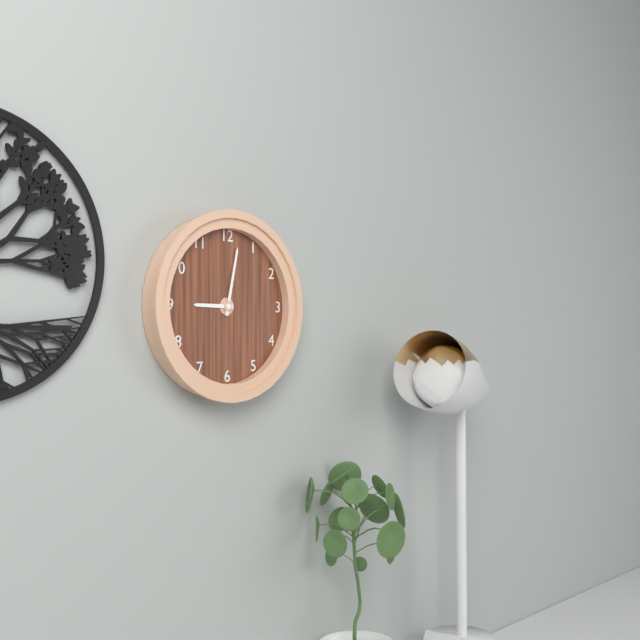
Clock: 9 h 02 min
